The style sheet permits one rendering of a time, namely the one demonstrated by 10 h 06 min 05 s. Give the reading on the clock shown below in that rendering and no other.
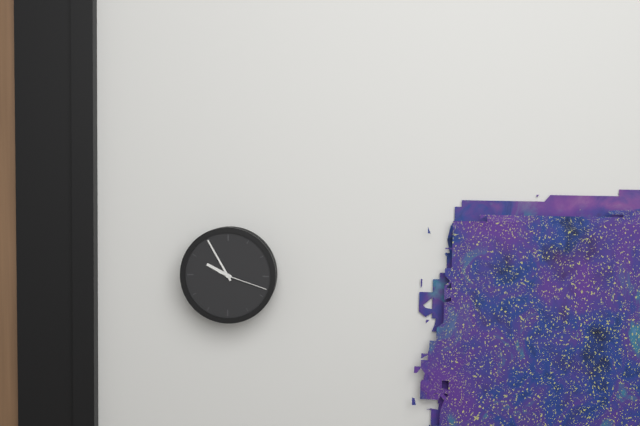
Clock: 9 h 55 min 18 s
